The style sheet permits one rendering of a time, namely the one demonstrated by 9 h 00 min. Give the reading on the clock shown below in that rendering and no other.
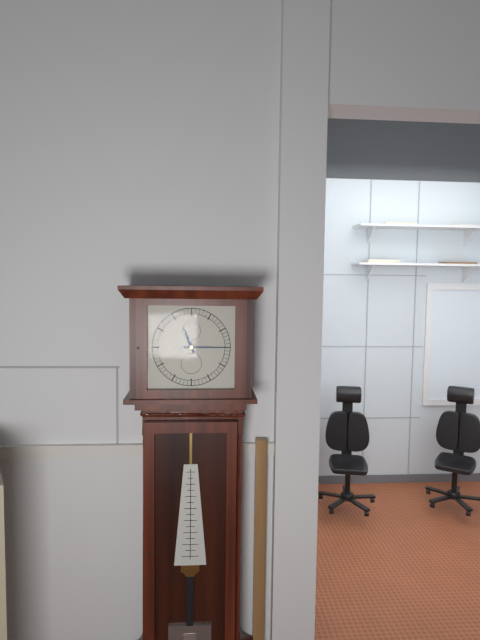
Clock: 11 h 15 min
